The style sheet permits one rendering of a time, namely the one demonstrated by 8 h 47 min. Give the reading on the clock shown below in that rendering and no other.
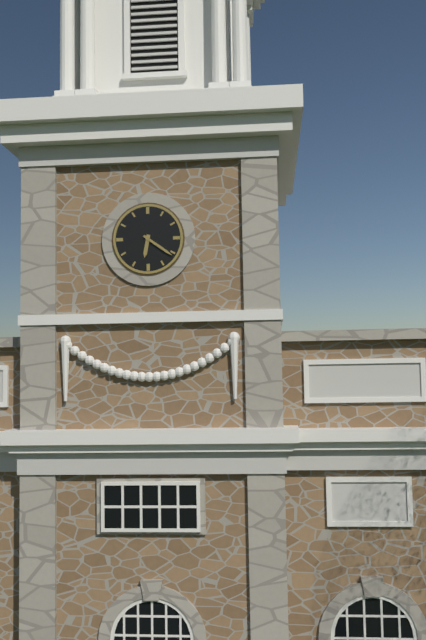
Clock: 6 h 21 min
